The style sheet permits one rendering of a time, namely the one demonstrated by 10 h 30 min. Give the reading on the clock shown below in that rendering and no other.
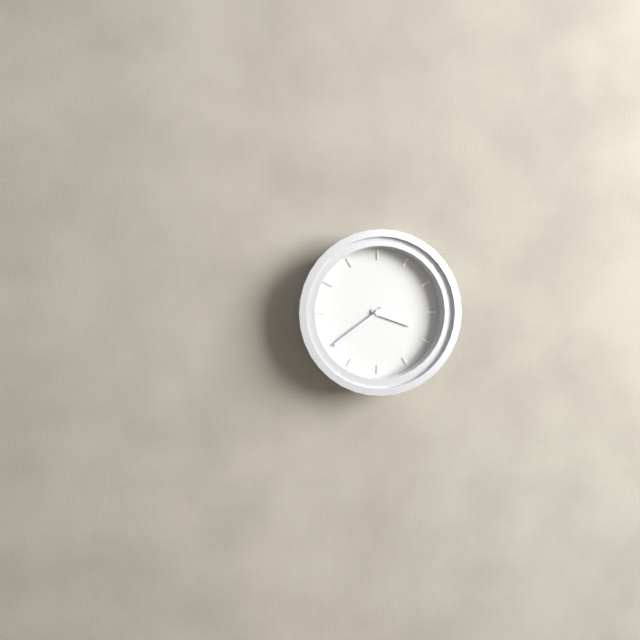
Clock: 3 h 39 min
